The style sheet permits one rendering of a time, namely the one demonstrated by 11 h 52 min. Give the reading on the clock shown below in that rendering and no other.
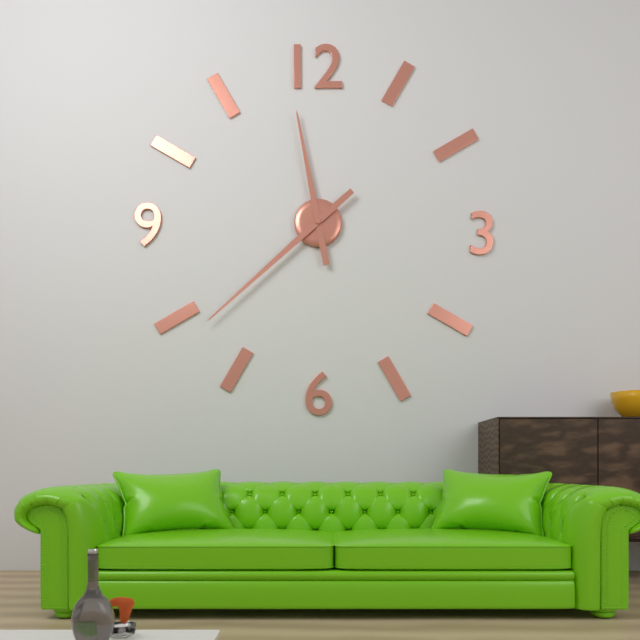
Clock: 11 h 38 min
